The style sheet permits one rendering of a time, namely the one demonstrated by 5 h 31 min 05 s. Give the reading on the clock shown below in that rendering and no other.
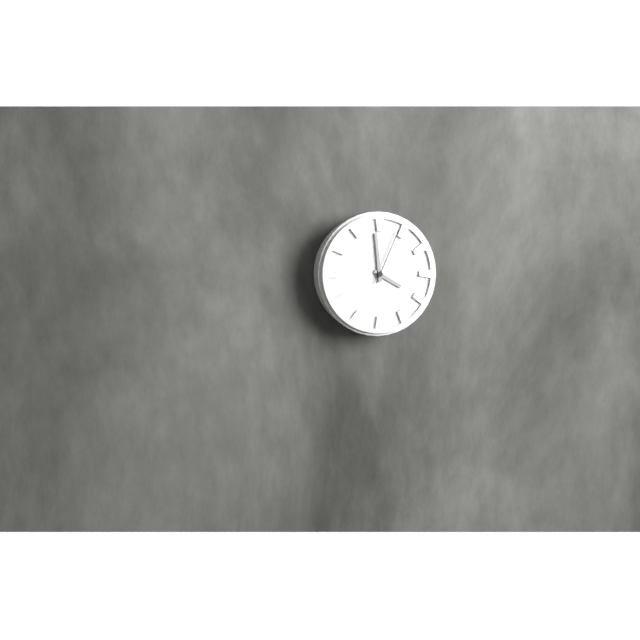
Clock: 3 h 59 min 04 s
